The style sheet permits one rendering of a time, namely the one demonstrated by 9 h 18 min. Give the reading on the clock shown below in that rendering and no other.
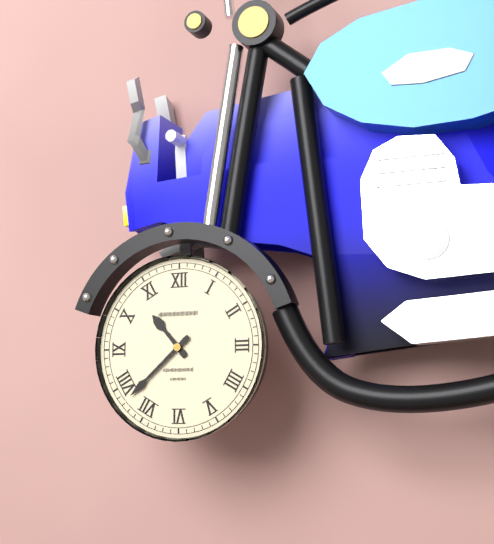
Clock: 10 h 38 min
